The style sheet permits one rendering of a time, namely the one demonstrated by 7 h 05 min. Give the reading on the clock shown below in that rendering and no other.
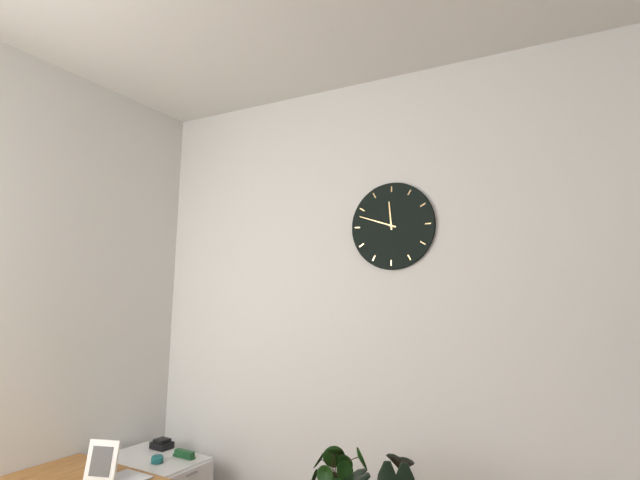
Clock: 11 h 48 min
